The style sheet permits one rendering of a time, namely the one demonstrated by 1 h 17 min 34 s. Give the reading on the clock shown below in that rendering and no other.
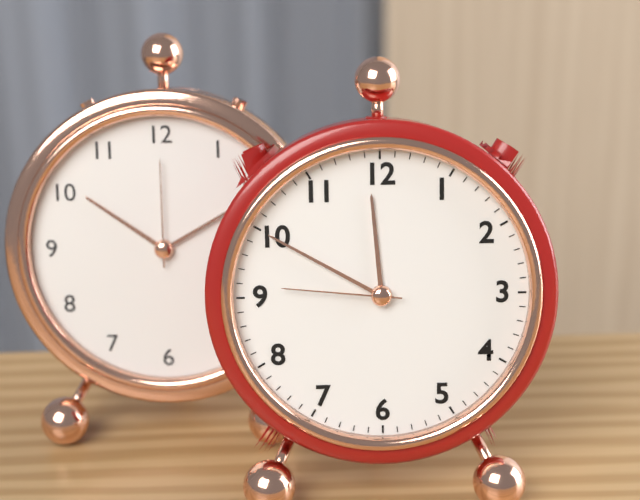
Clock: 11 h 50 min 46 s
